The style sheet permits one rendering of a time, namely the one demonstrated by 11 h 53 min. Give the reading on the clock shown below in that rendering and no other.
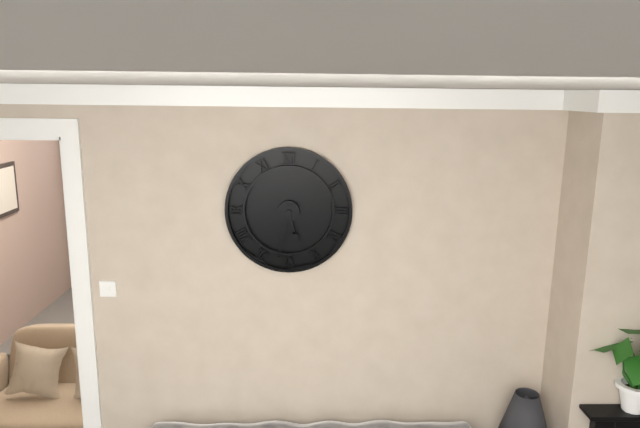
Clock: 5 h 32 min
